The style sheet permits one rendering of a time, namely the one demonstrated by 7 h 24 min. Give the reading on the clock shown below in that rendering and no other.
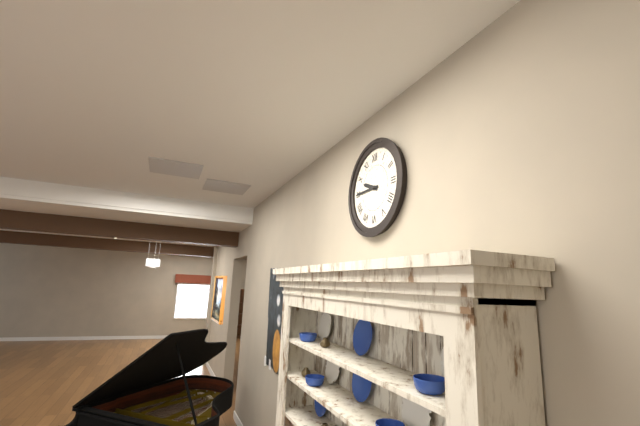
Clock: 9 h 45 min
